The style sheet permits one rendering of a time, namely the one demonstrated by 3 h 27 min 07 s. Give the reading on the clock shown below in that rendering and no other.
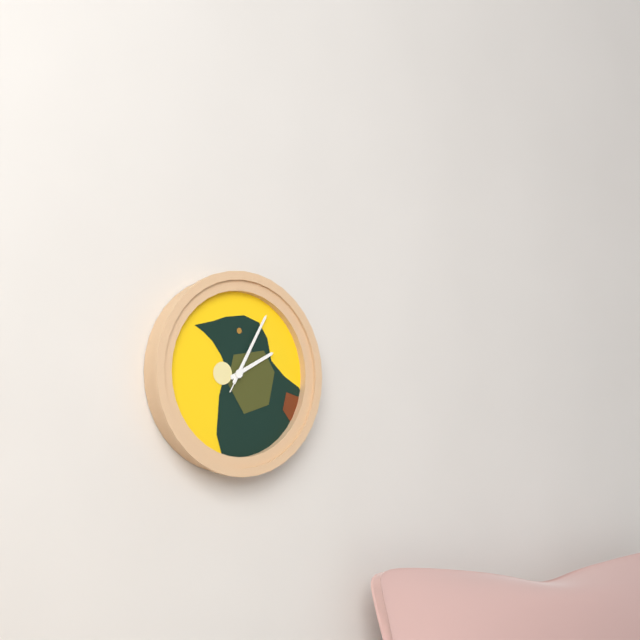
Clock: 2 h 05 min 05 s
